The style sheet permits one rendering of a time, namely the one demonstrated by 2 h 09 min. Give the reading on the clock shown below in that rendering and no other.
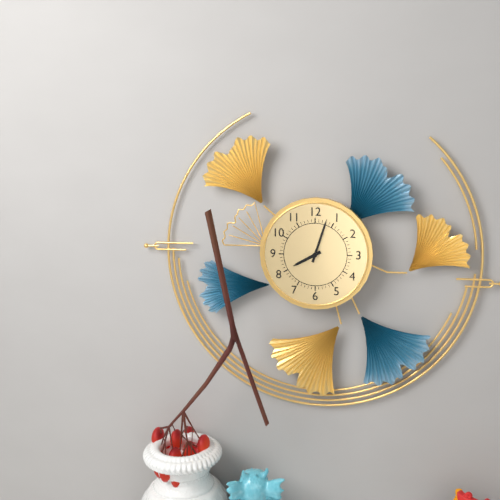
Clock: 8 h 03 min
